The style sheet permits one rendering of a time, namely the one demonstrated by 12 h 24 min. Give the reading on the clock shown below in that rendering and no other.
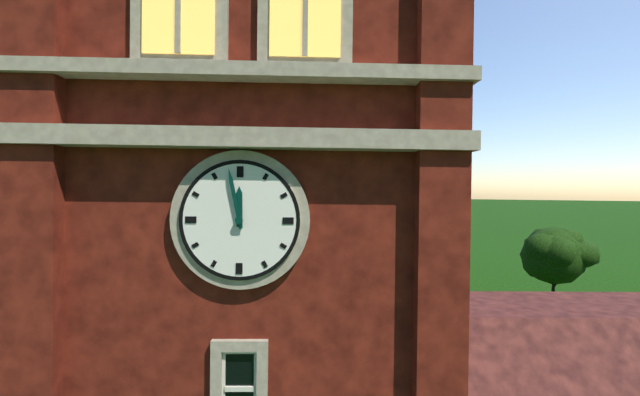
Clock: 11 h 58 min
